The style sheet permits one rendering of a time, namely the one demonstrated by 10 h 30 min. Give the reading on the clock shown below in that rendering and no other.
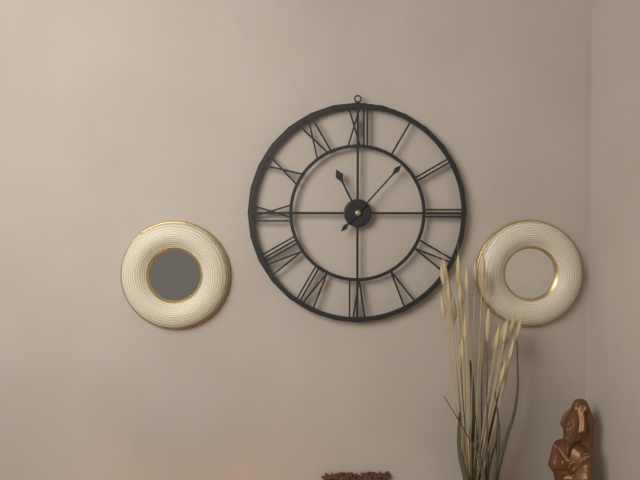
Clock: 11 h 07 min
